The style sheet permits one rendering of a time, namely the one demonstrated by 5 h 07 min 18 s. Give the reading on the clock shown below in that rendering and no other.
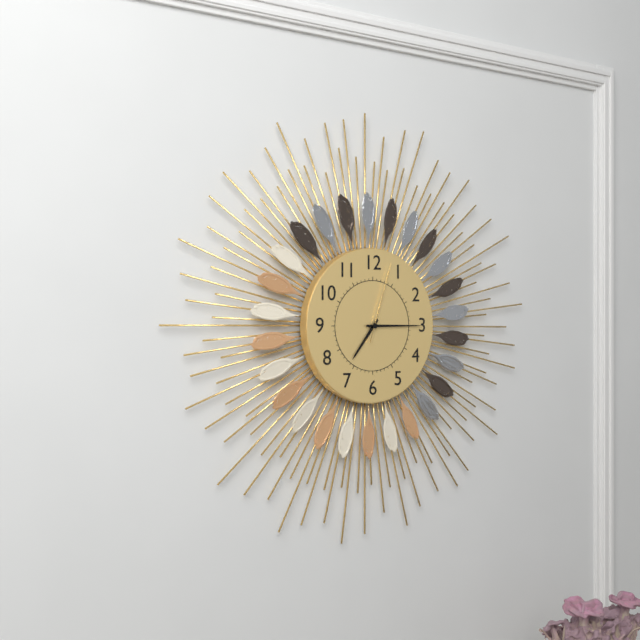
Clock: 7 h 15 min 03 s
